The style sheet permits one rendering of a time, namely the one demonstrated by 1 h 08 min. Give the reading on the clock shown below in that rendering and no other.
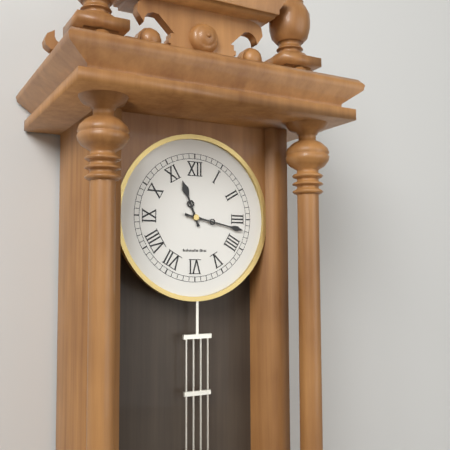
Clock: 11 h 17 min
